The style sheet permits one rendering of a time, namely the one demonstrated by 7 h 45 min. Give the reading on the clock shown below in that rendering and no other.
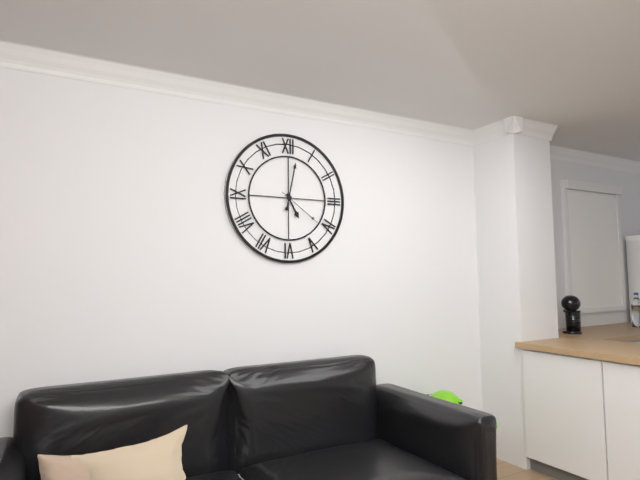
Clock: 5 h 02 min
